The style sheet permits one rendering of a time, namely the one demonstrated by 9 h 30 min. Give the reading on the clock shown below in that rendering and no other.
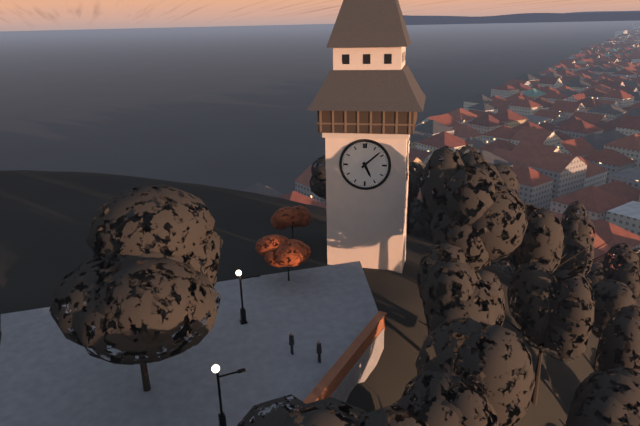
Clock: 5 h 08 min
